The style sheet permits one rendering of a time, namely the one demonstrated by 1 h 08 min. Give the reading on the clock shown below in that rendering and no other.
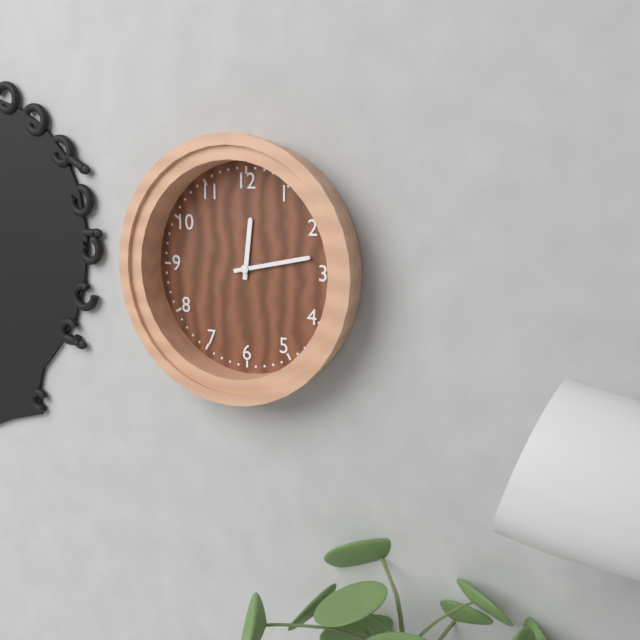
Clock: 12 h 13 min
